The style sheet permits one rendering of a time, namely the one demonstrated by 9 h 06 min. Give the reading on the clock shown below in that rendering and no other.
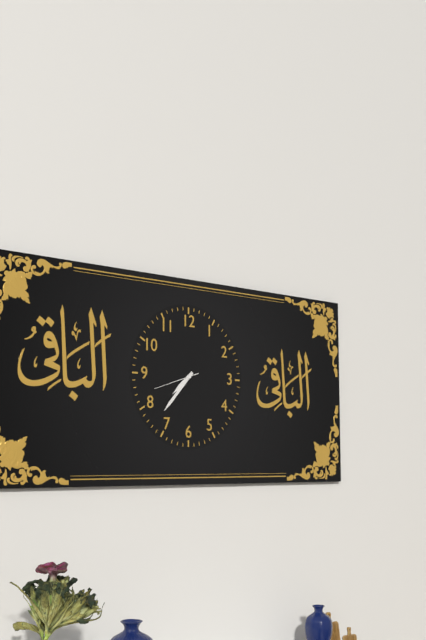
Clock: 7 h 37 min
